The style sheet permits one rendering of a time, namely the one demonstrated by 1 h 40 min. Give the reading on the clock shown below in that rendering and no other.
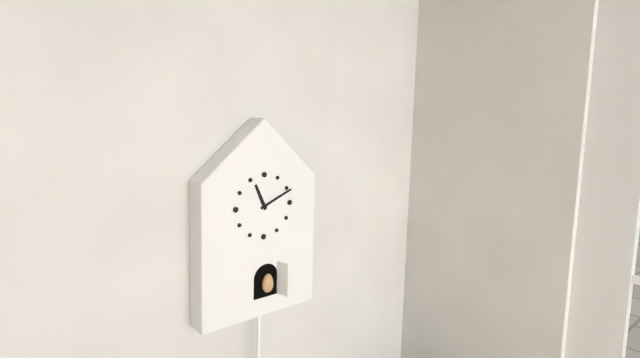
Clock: 11 h 11 min
